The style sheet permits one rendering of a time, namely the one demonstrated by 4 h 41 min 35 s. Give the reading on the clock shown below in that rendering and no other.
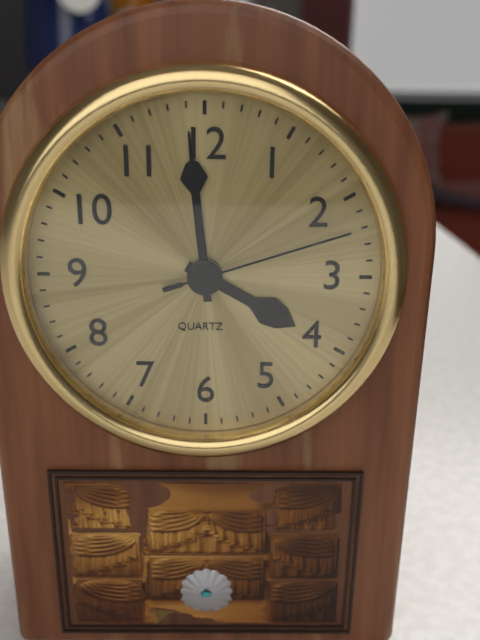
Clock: 3 h 59 min 12 s
